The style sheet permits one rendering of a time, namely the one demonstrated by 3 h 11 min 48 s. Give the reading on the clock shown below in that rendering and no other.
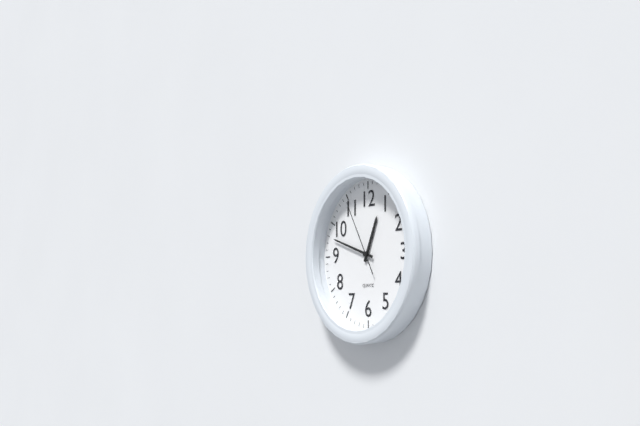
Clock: 12 h 48 min 55 s
